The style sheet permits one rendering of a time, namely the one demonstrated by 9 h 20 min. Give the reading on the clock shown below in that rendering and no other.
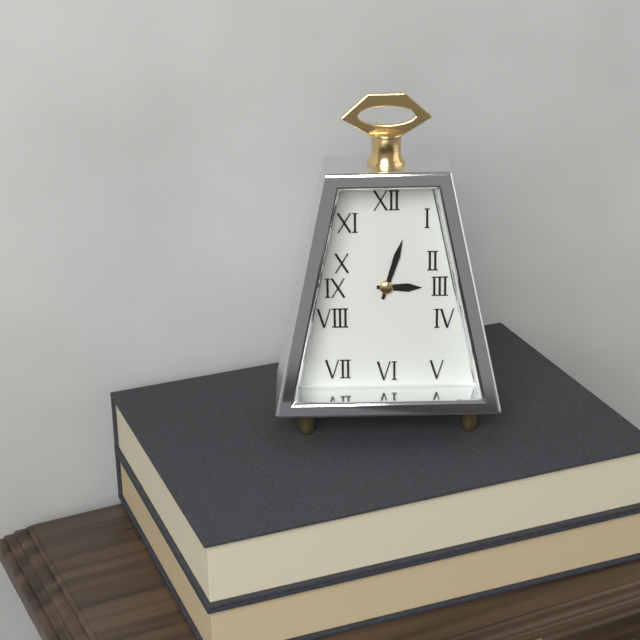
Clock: 3 h 03 min
